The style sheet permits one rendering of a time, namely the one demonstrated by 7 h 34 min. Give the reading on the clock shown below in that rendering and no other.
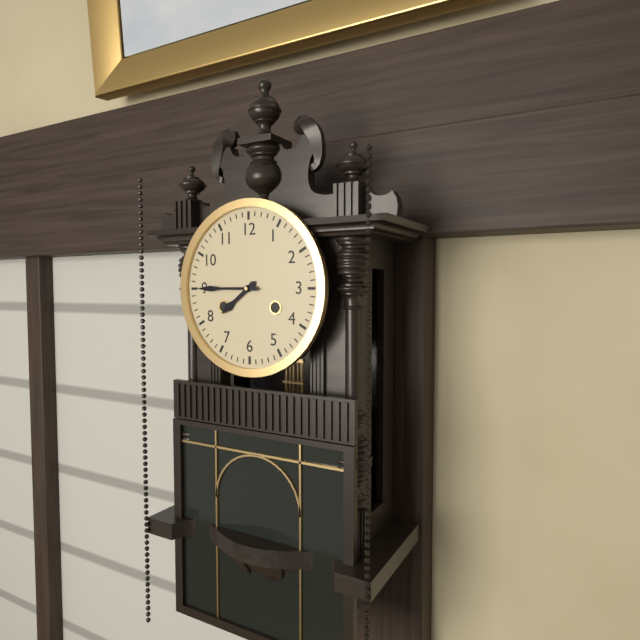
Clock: 7 h 45 min
